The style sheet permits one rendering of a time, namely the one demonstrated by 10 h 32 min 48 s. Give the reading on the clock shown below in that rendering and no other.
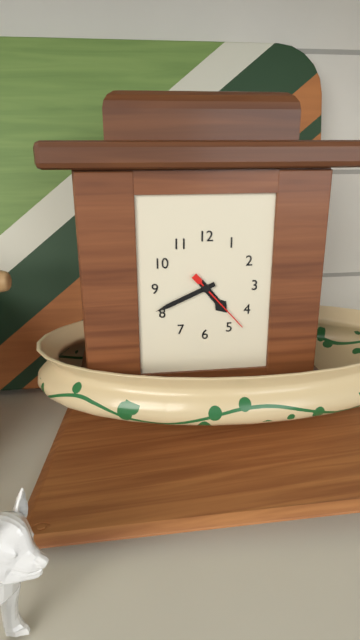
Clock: 4 h 41 min 23 s
